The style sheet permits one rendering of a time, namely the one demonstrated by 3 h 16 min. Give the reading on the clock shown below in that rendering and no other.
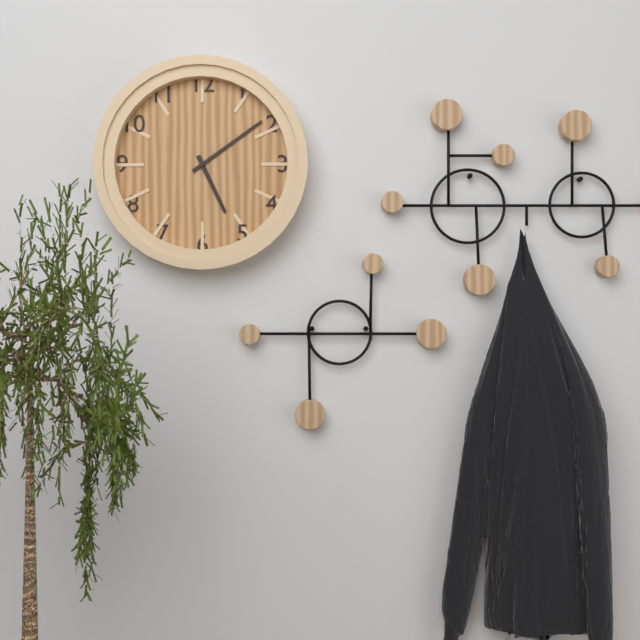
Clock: 5 h 09 min
